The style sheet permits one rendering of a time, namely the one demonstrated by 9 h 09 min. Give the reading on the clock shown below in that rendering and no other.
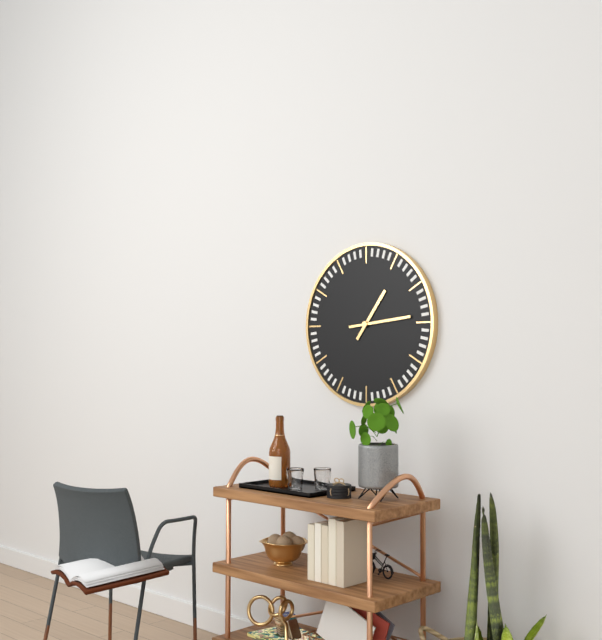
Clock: 1 h 14 min
